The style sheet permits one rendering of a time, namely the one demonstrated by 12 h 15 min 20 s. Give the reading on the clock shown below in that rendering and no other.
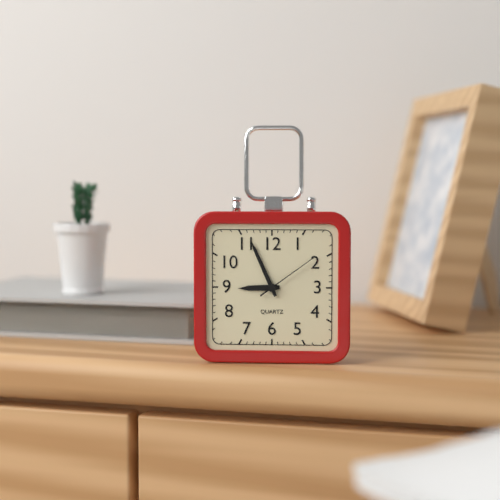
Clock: 8 h 56 min 09 s
